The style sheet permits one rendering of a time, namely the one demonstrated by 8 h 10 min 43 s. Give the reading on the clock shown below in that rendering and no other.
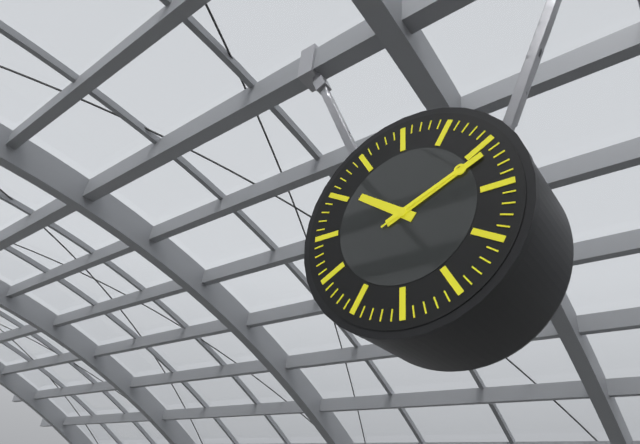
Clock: 10 h 11 min 11 s
